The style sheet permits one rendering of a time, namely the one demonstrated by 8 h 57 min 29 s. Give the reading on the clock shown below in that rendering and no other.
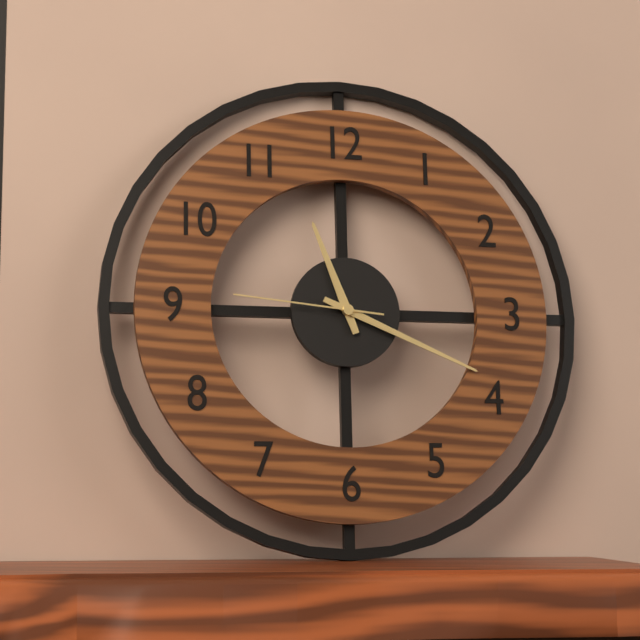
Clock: 11 h 19 min 46 s
